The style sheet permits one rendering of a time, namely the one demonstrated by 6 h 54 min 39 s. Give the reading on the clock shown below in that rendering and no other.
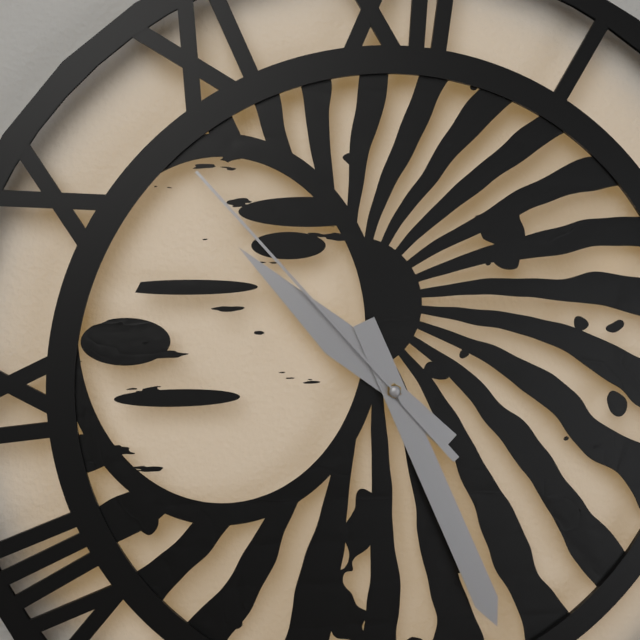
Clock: 10 h 26 min 53 s
